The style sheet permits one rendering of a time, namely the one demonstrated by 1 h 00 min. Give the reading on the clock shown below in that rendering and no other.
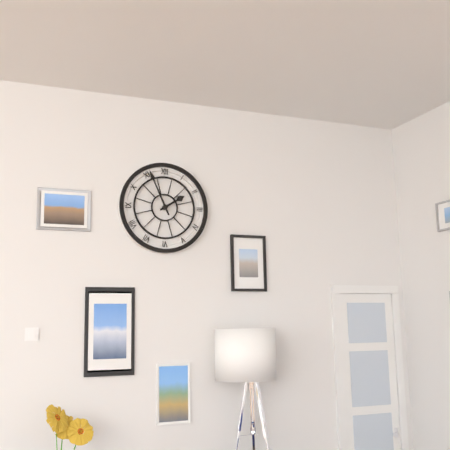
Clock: 1 h 56 min
